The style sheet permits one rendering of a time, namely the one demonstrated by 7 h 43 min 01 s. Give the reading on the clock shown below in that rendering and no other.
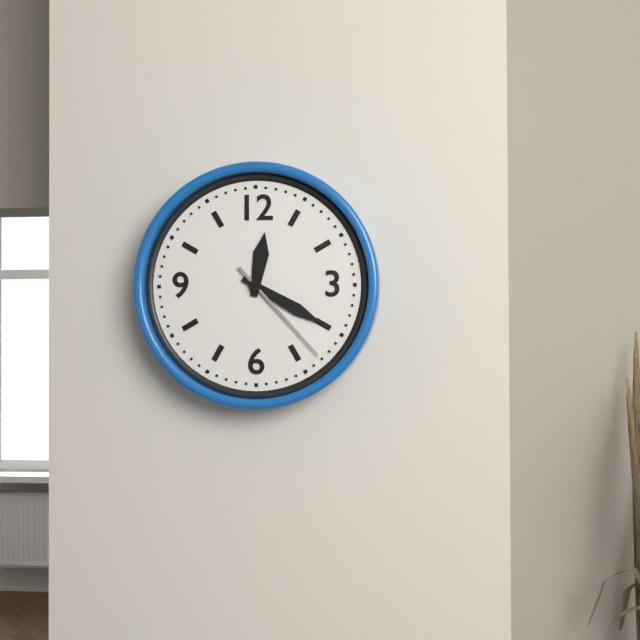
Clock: 12 h 20 min 23 s
